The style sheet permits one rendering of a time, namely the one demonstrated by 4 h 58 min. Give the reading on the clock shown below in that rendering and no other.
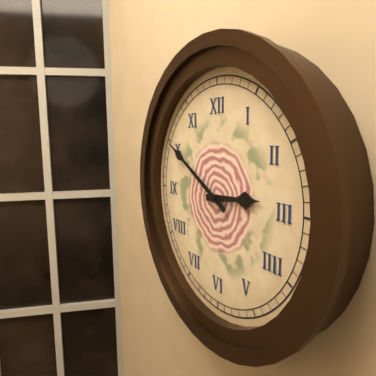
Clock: 2 h 50 min
